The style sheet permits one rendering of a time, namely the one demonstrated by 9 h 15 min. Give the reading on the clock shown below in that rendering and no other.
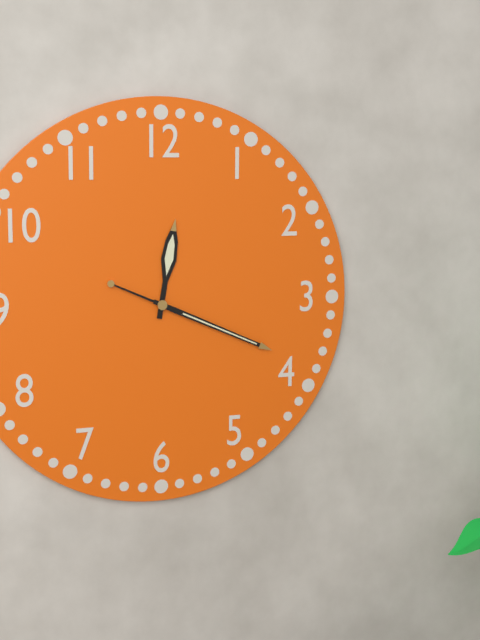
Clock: 12 h 19 min
